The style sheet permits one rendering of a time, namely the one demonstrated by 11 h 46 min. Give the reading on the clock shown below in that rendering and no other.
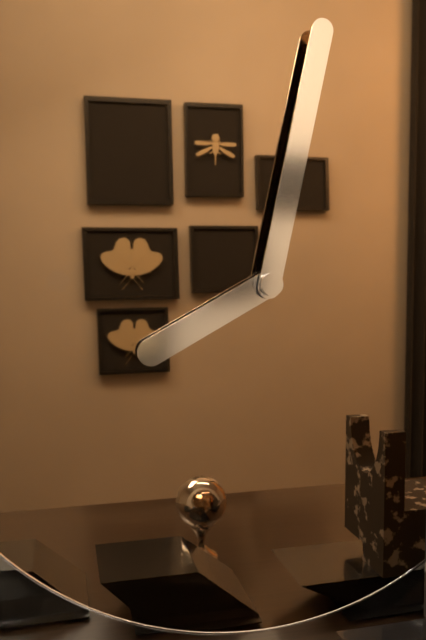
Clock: 8 h 02 min
